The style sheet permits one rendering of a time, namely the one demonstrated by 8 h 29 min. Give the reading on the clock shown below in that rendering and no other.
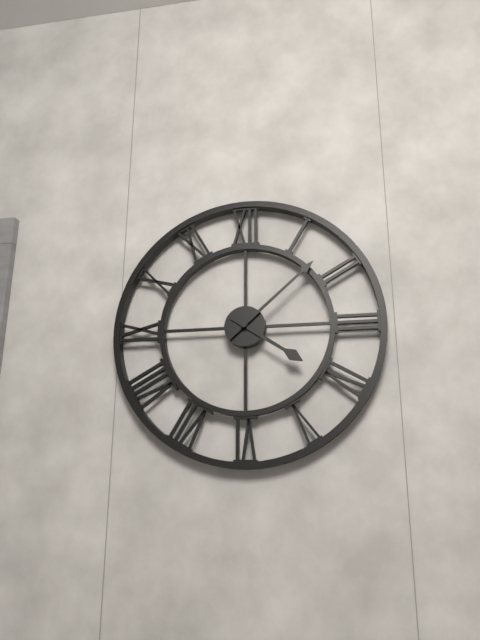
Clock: 4 h 08 min
